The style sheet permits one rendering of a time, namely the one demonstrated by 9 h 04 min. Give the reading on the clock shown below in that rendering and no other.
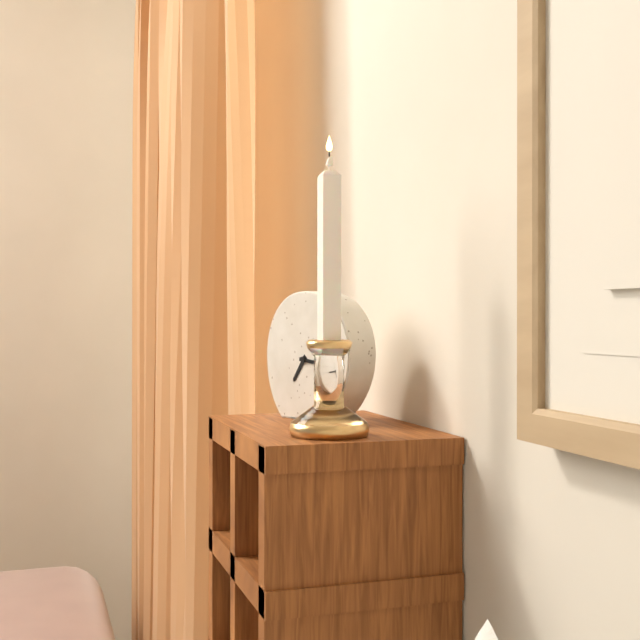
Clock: 7 h 16 min
